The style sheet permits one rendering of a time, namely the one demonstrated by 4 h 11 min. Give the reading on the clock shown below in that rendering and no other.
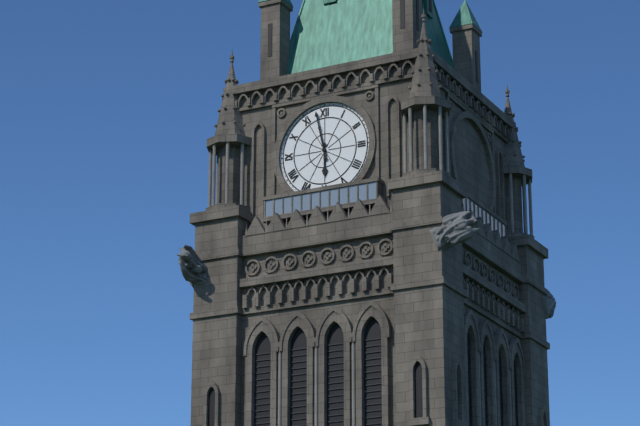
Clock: 5 h 58 min
